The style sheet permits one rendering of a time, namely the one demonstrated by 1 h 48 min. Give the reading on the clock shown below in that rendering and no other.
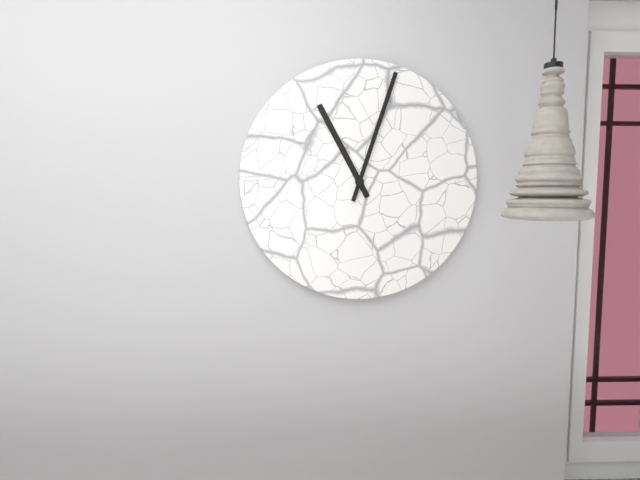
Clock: 11 h 03 min
